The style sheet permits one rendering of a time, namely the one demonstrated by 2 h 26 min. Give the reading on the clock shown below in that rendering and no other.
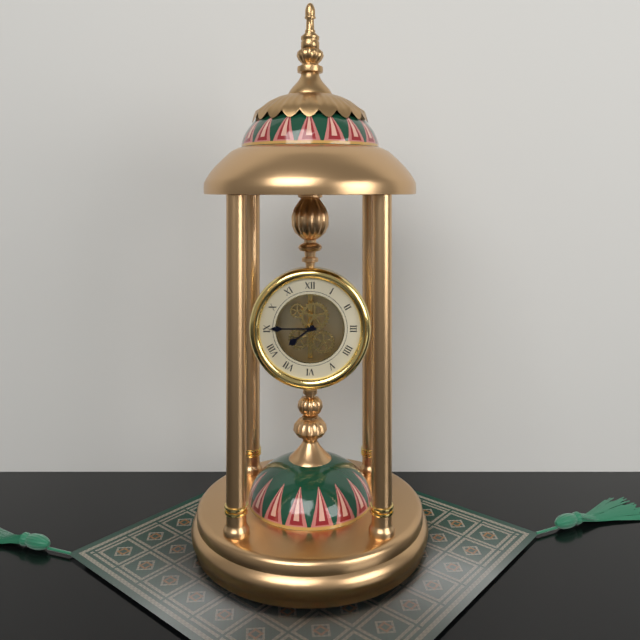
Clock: 7 h 45 min
